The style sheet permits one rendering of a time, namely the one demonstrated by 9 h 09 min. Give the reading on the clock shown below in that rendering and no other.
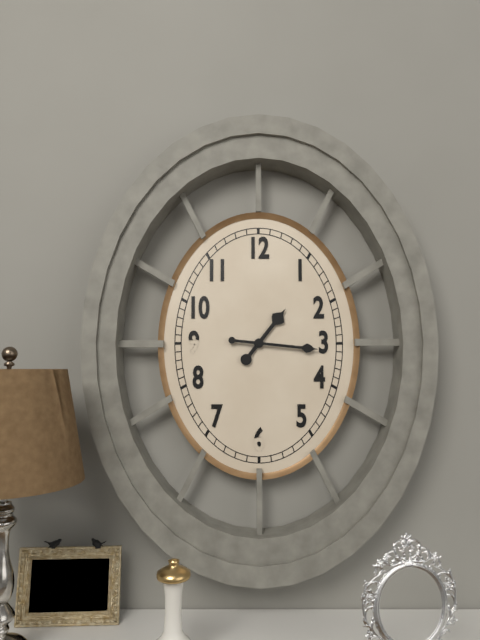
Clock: 1 h 16 min
